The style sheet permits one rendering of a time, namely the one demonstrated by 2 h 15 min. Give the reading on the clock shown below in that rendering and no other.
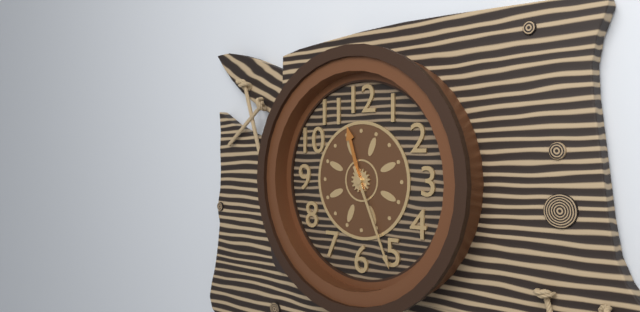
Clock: 11 h 26 min
